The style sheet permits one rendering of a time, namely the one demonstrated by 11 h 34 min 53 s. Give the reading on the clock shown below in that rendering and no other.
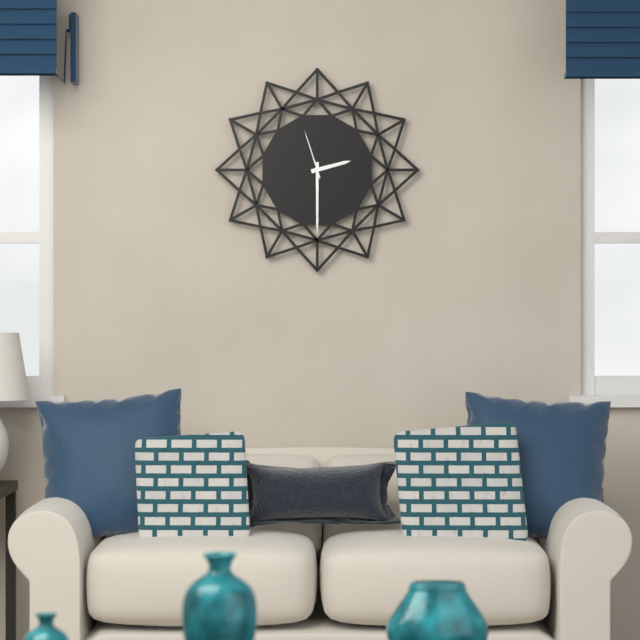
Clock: 2 h 30 min 57 s
